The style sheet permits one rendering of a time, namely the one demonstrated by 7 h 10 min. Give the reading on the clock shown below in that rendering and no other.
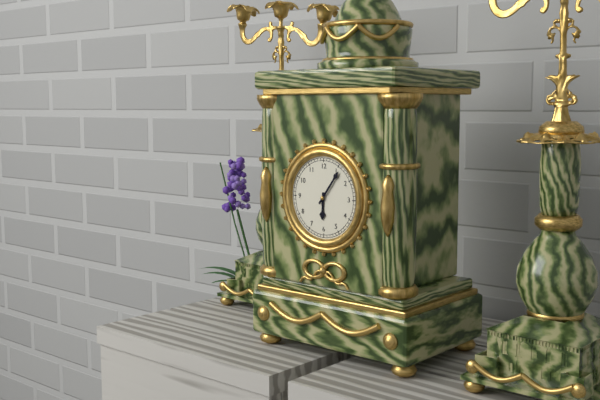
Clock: 6 h 06 min
